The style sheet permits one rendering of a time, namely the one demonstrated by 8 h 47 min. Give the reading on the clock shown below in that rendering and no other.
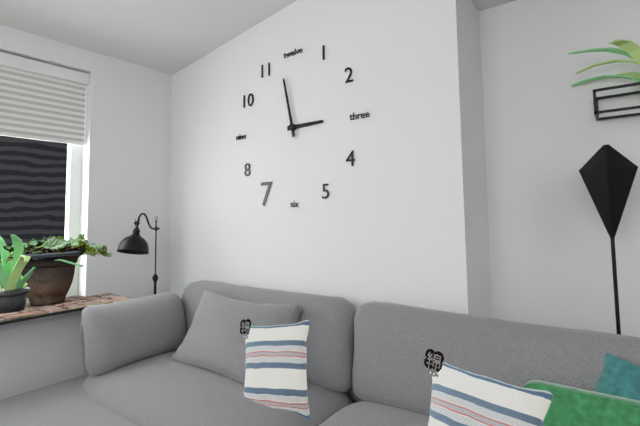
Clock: 2 h 58 min
